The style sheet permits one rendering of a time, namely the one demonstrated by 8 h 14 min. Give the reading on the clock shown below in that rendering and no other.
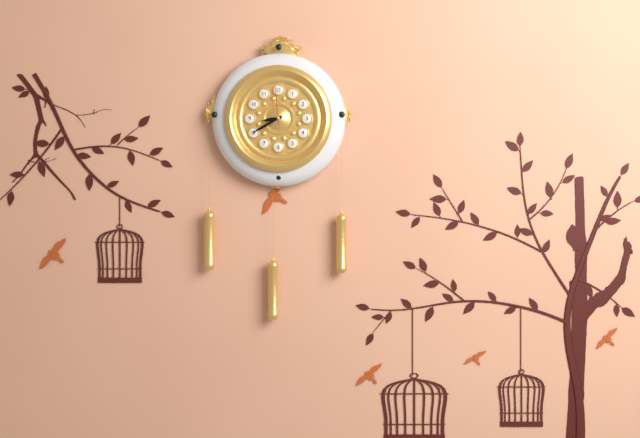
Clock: 8 h 40 min
